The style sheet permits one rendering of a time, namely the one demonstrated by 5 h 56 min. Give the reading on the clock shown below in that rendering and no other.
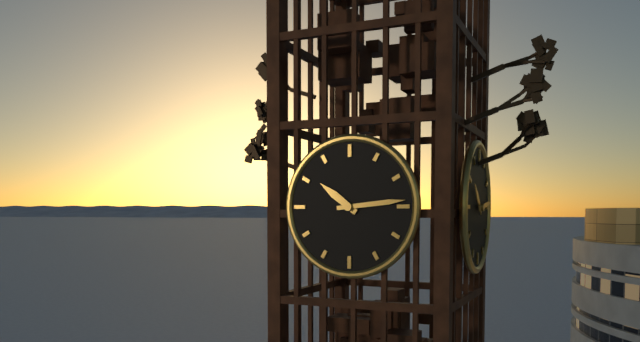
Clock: 10 h 14 min
